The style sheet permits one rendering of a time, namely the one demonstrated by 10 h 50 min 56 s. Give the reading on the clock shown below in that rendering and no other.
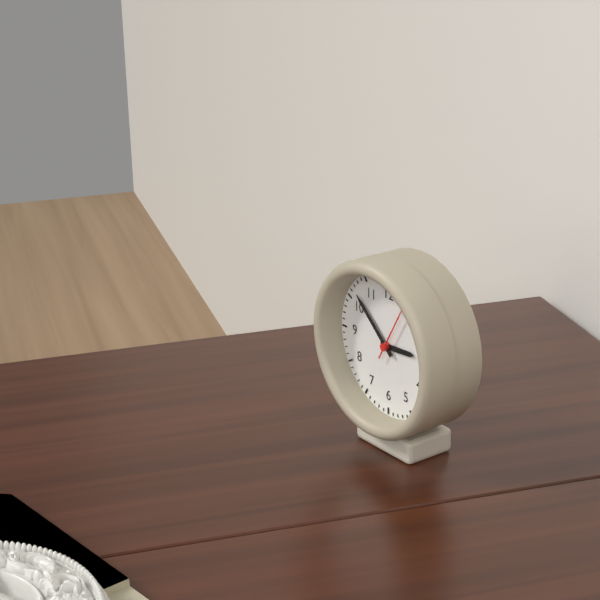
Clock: 2 h 52 min 05 s
